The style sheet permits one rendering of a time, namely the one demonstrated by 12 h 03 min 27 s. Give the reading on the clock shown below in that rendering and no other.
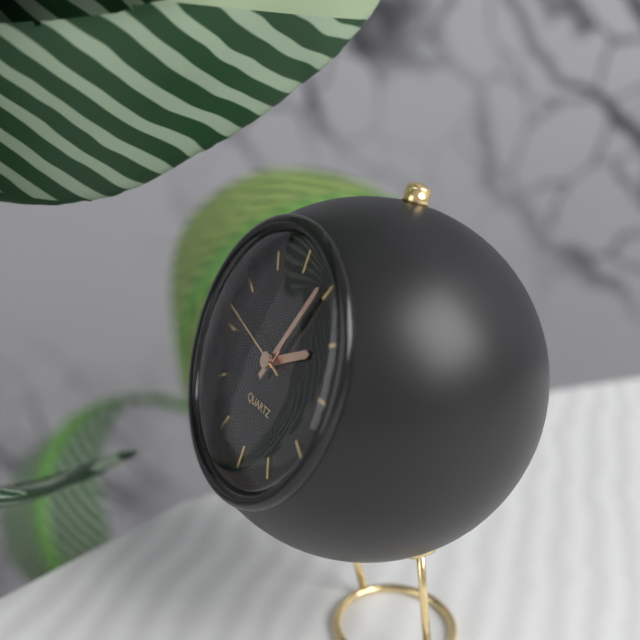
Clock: 2 h 04 min 47 s
